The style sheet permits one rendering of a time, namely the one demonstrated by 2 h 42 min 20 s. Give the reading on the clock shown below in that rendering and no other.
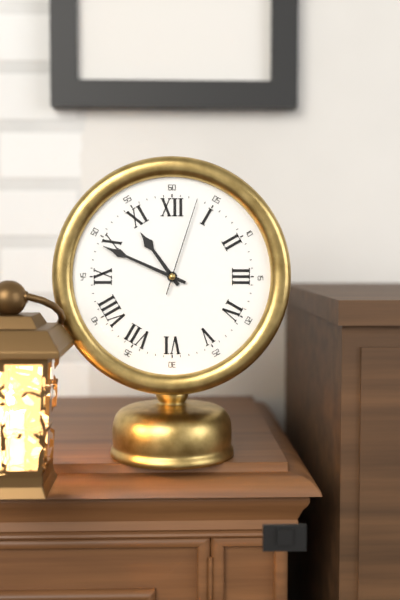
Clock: 10 h 49 min 03 s
